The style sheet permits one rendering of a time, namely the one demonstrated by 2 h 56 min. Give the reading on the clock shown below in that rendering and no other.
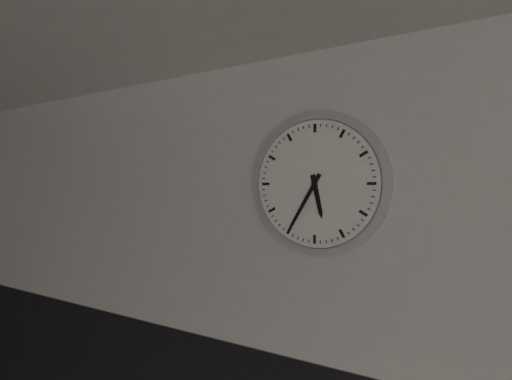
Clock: 5 h 35 min
